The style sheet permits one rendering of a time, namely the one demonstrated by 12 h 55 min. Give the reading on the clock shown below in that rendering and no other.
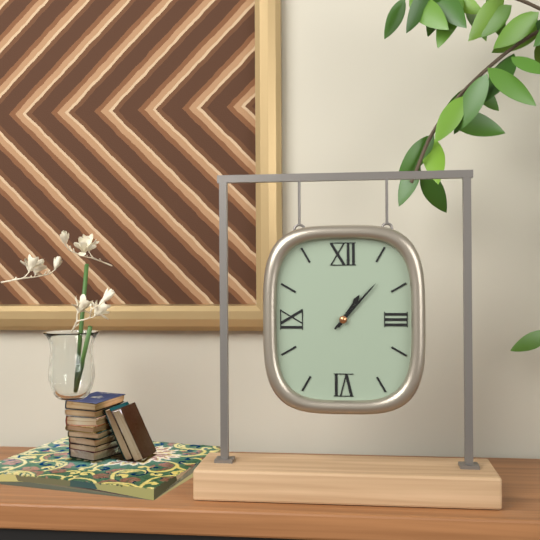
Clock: 1 h 07 min
